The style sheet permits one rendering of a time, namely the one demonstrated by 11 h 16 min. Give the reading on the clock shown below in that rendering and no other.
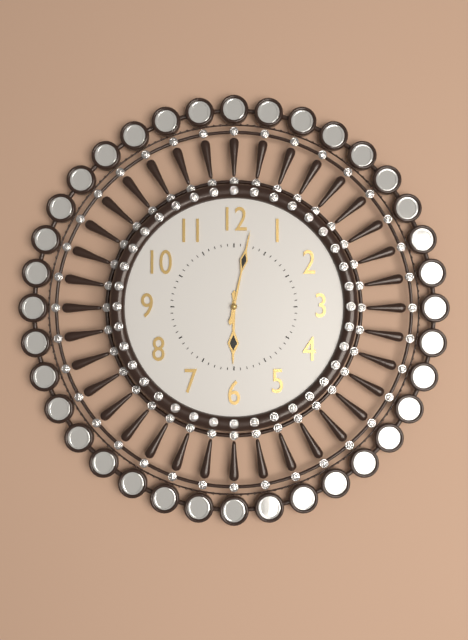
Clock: 6 h 02 min
